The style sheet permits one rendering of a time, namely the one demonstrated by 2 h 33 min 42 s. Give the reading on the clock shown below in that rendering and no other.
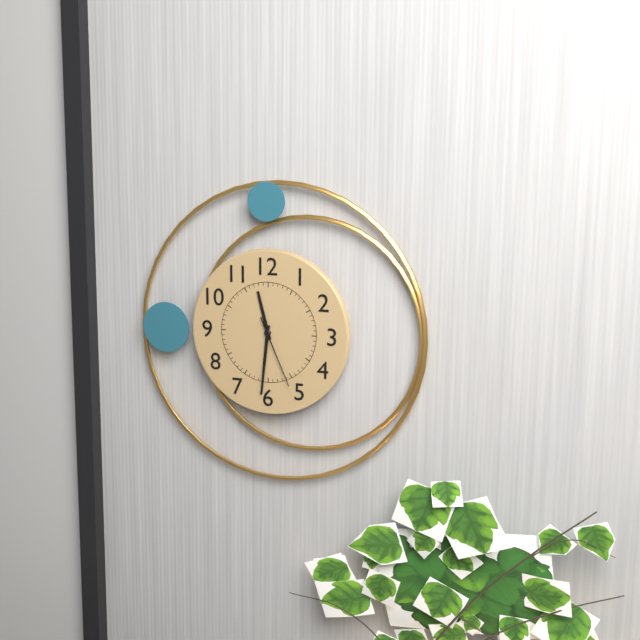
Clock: 11 h 31 min 26 s
